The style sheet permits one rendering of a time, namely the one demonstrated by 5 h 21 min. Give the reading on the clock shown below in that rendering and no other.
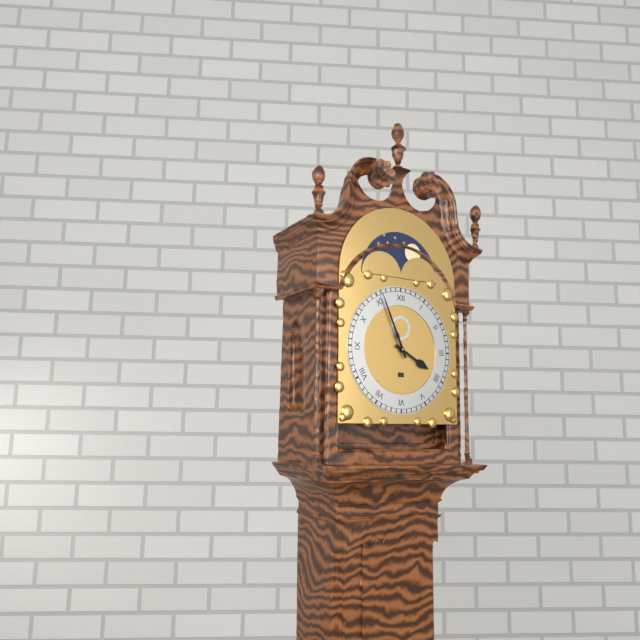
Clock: 3 h 56 min
